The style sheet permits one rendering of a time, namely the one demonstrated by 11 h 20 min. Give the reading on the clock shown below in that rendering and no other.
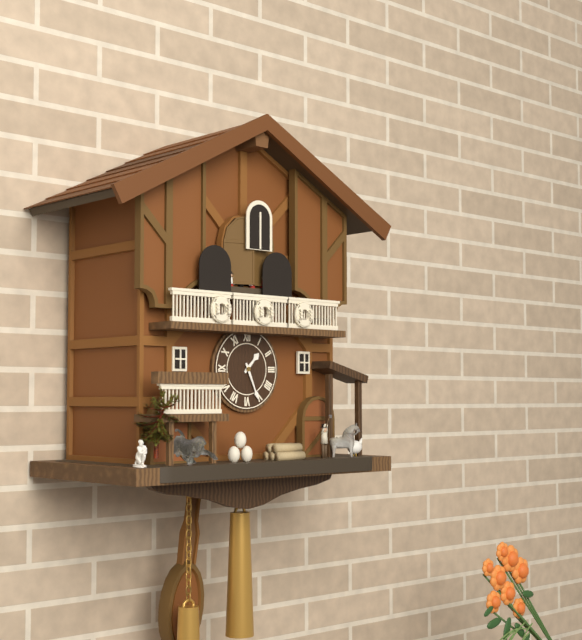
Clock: 1 h 26 min
